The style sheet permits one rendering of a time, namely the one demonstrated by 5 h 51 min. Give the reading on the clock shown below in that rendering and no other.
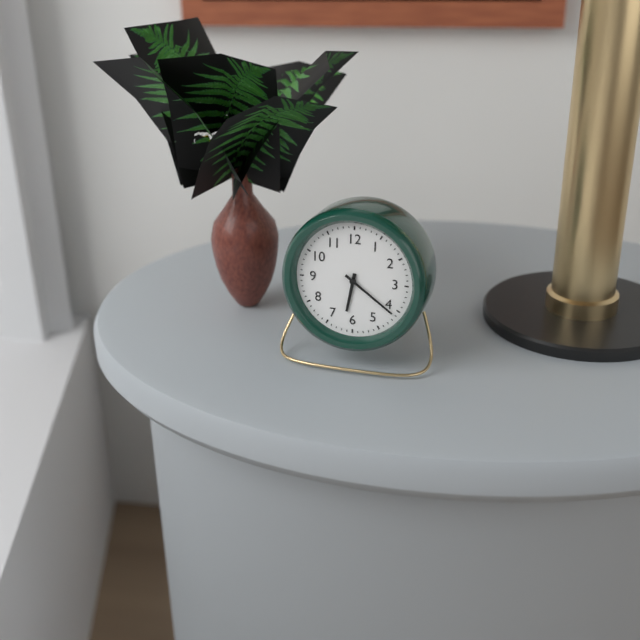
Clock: 6 h 21 min
